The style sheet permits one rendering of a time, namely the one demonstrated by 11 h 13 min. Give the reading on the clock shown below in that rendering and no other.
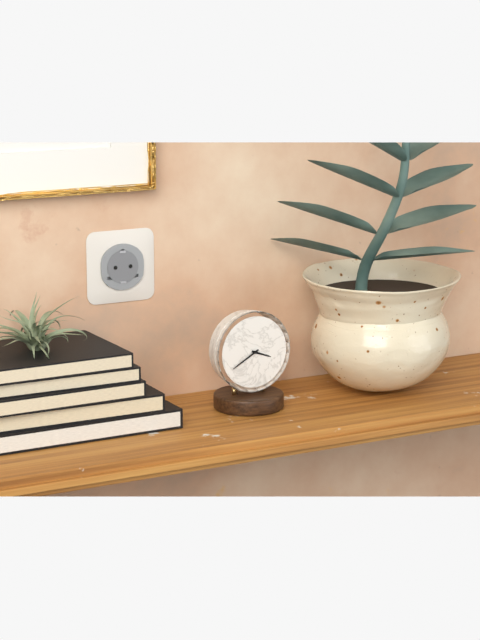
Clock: 3 h 40 min
